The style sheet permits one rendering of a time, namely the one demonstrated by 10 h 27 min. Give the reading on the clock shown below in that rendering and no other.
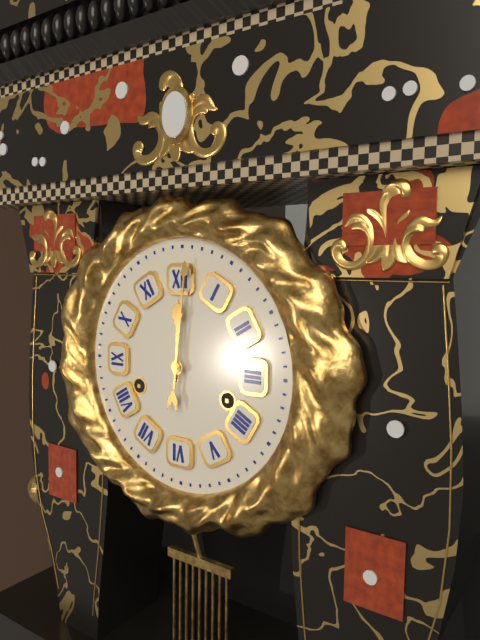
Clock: 12 h 01 min
